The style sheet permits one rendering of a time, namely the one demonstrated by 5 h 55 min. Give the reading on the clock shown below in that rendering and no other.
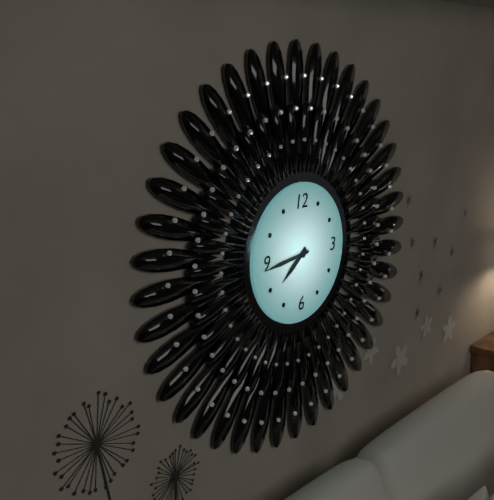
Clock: 7 h 44 min
